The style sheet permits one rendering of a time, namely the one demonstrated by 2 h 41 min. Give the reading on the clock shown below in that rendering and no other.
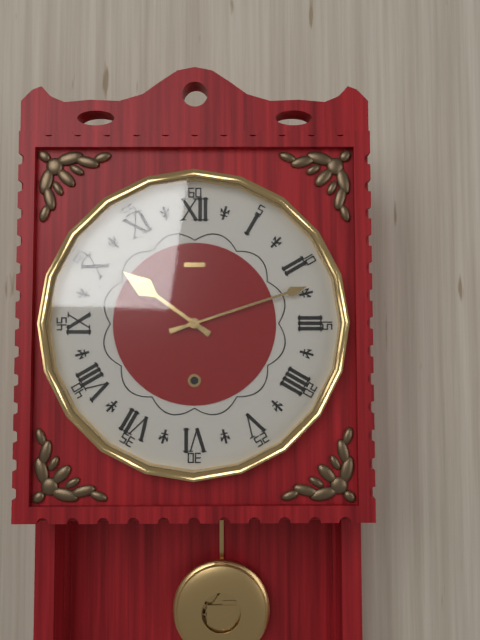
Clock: 10 h 12 min
